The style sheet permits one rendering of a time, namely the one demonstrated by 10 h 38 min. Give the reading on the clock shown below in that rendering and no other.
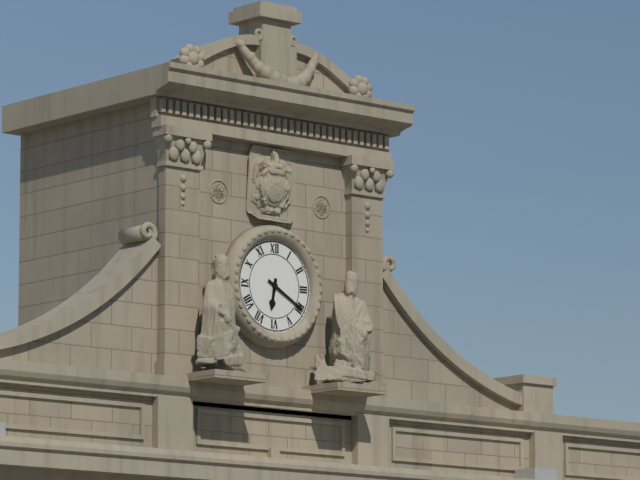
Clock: 6 h 20 min
